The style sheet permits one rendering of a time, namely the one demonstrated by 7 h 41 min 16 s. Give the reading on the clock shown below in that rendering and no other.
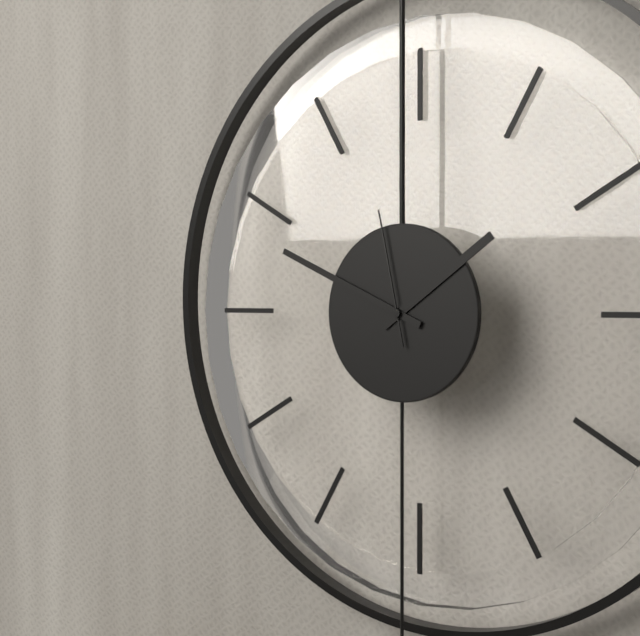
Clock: 1 h 49 min 58 s
